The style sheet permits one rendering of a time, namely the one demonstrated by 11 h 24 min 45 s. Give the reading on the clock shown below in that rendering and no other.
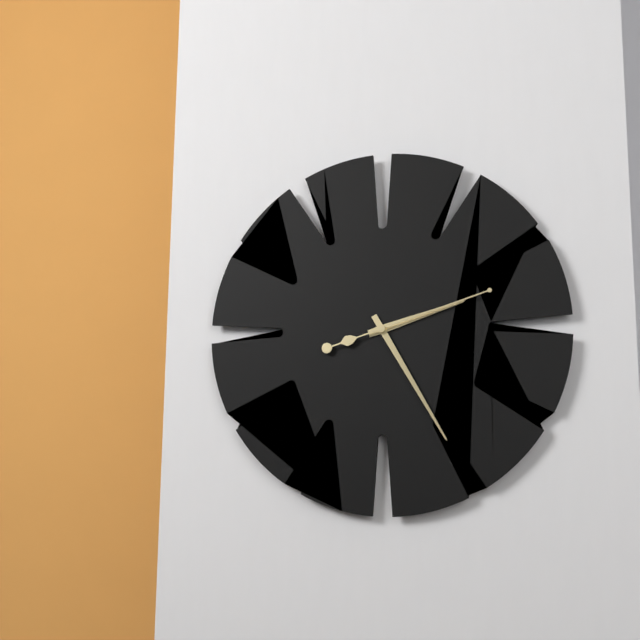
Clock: 2 h 25 min 12 s
